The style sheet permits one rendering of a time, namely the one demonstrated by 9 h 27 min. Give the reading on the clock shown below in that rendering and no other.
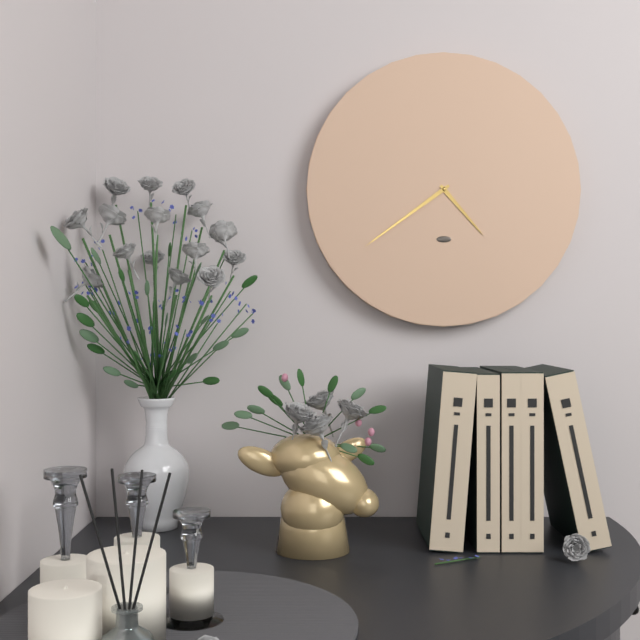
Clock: 4 h 39 min
